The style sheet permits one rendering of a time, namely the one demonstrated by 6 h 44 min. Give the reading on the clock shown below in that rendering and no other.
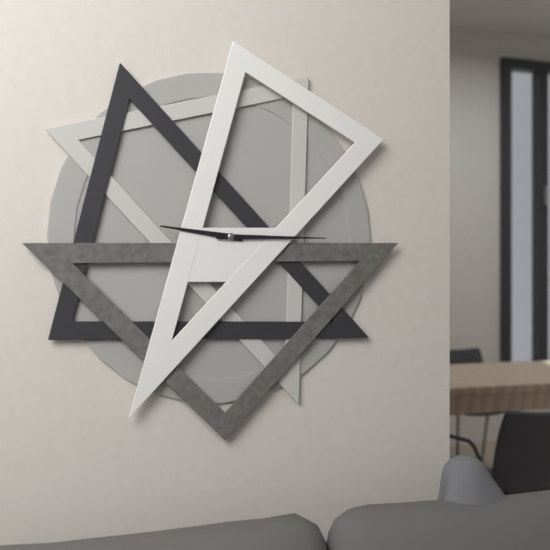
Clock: 9 h 15 min
